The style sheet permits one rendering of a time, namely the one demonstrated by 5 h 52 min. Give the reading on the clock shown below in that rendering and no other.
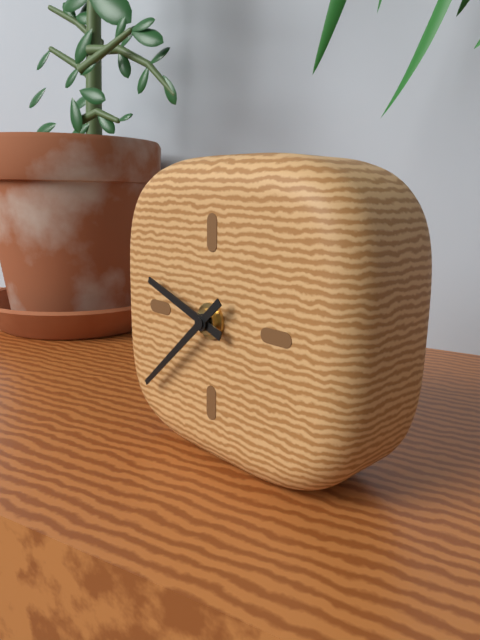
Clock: 9 h 38 min
